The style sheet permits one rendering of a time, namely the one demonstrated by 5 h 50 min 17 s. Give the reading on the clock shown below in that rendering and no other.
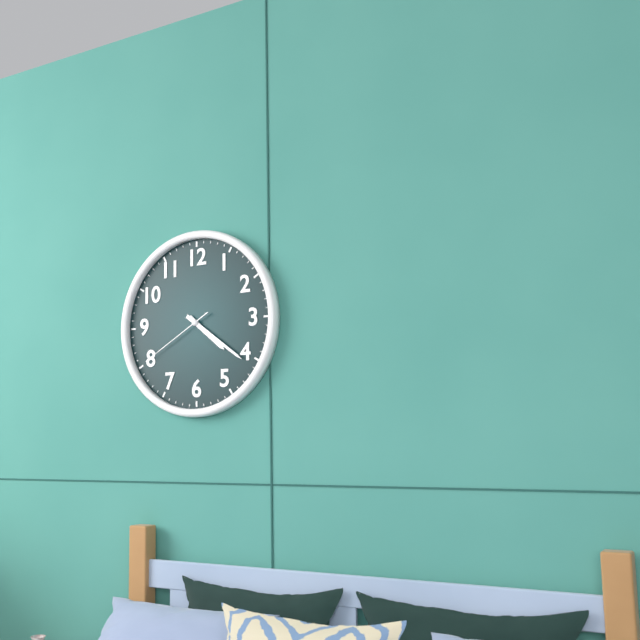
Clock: 4 h 21 min 40 s
